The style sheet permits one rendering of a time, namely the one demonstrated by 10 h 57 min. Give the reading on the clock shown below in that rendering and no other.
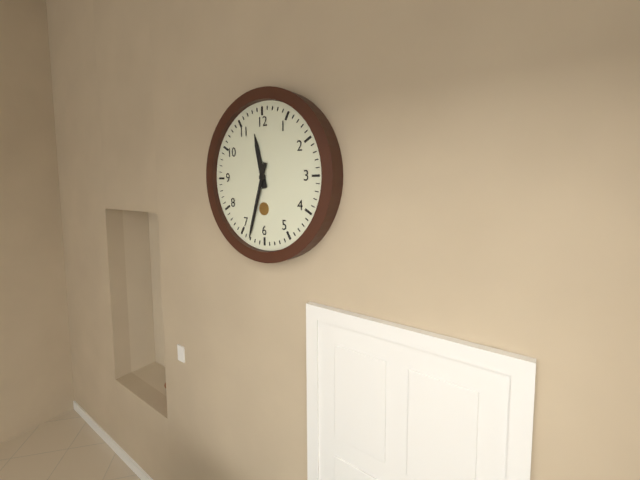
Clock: 11 h 33 min
